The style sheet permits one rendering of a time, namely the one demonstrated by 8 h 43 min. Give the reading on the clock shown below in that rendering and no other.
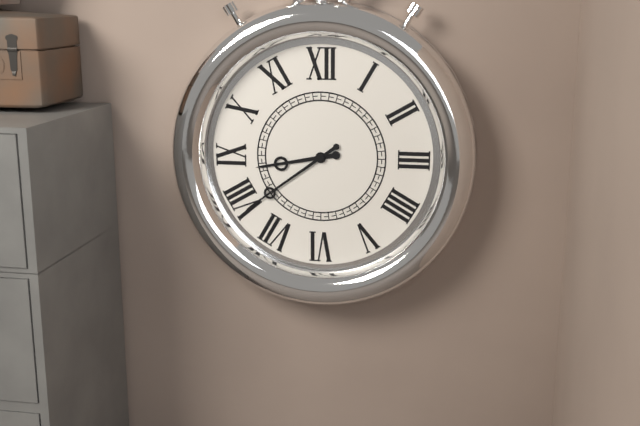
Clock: 8 h 39 min
